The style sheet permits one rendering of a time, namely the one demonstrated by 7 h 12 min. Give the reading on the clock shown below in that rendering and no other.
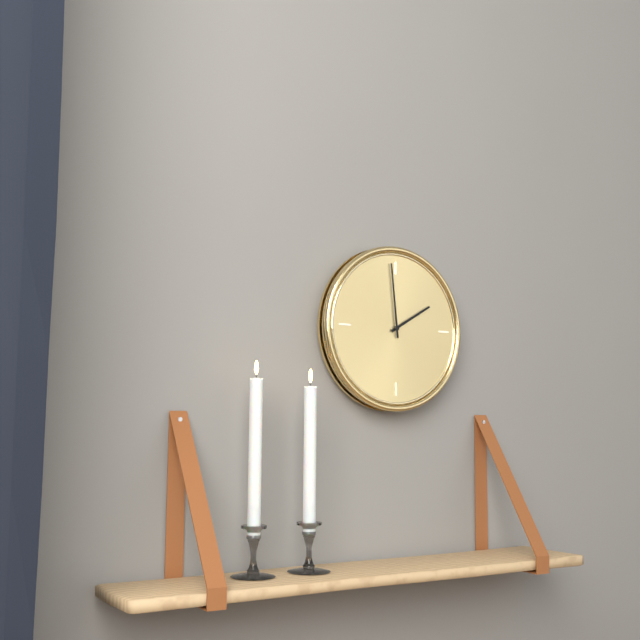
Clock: 1 h 59 min
